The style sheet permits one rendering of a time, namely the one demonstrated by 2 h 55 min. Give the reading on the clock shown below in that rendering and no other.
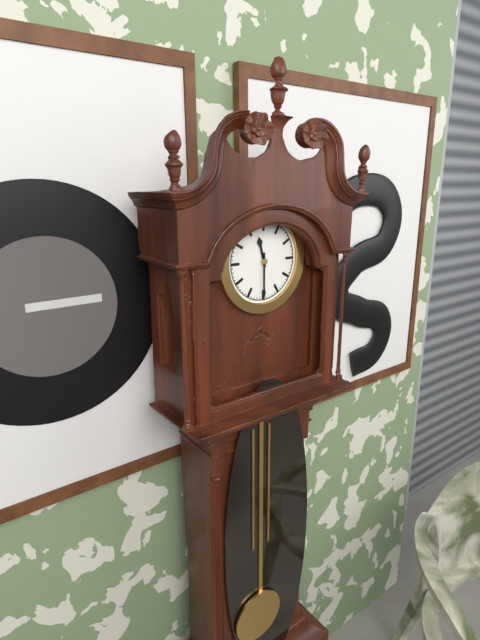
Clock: 11 h 30 min
